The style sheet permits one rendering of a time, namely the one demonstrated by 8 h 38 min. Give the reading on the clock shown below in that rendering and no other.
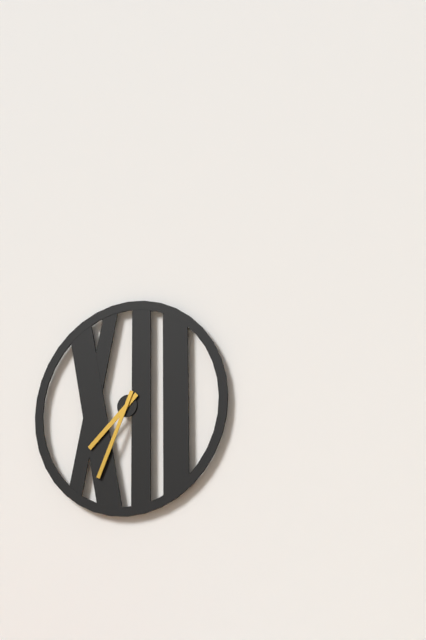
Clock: 7 h 34 min
